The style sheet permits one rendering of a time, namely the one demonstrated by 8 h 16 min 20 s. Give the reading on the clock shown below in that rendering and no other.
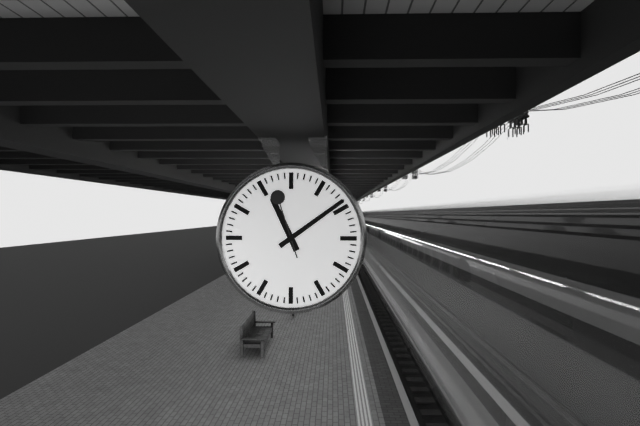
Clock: 11 h 09 min 57 s
